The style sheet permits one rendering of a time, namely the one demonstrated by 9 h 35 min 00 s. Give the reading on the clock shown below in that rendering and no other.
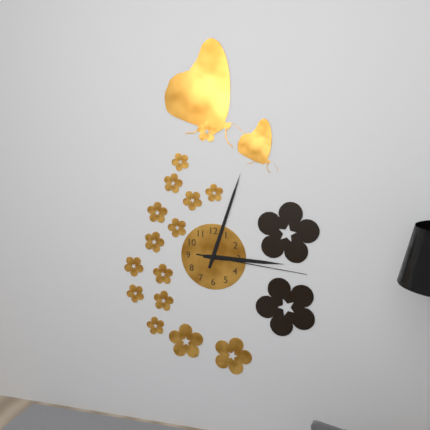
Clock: 3 h 03 min 16 s
